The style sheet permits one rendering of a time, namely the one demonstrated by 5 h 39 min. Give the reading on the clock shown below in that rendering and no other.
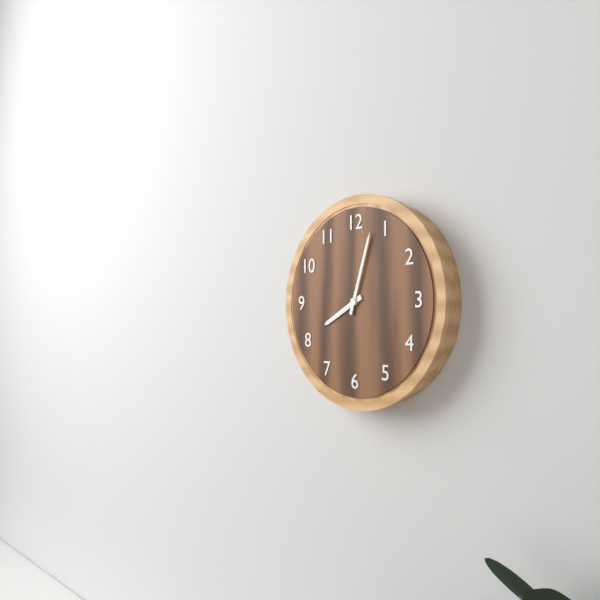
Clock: 8 h 03 min
